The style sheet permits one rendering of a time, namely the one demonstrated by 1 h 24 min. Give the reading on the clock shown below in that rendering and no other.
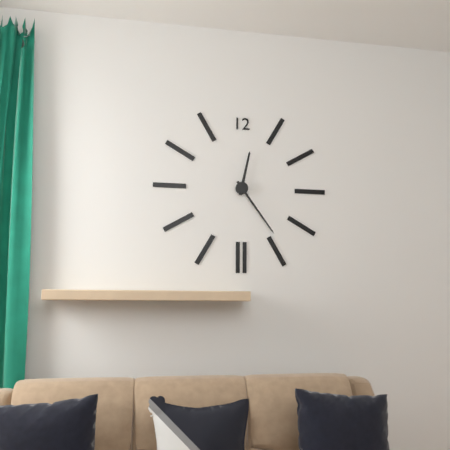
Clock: 12 h 24 min
